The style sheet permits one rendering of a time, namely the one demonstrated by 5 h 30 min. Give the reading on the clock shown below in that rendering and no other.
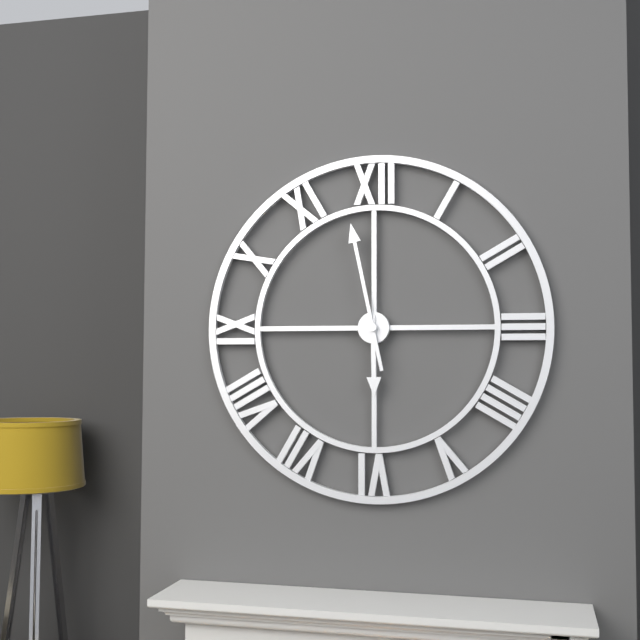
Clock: 5 h 58 min
